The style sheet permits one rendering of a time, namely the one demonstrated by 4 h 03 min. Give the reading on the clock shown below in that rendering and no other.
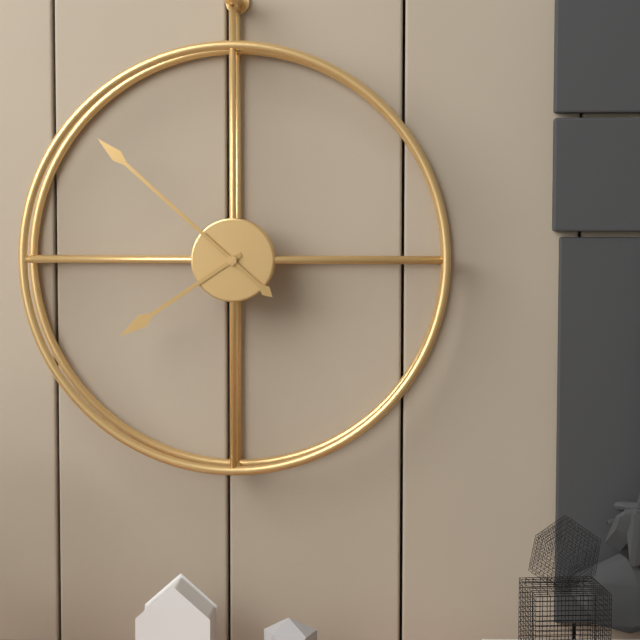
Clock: 7 h 52 min
